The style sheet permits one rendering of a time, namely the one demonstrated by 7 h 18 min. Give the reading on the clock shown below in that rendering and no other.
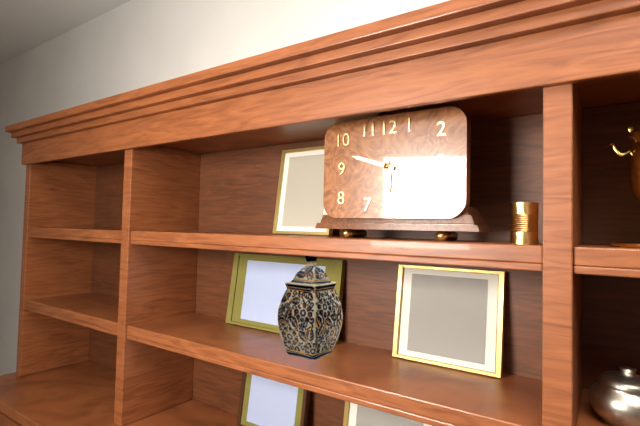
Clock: 5 h 48 min
